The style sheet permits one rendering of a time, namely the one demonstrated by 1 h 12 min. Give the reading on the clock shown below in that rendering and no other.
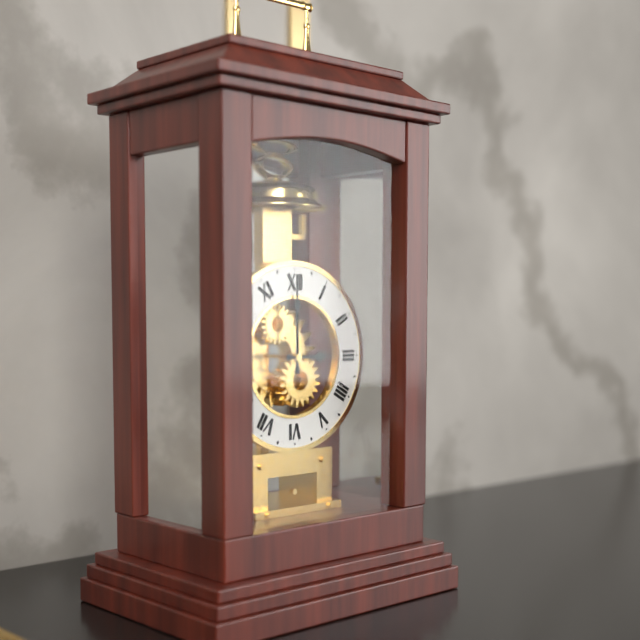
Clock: 3 h 00 min
